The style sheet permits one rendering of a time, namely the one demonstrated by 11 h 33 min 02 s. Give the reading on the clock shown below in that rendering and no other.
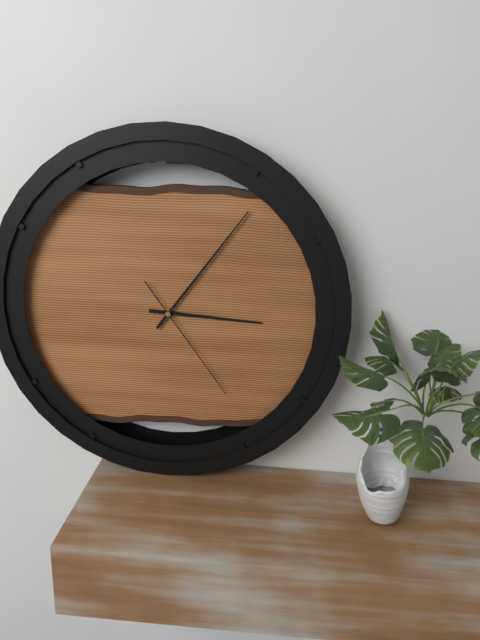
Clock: 3 h 06 min 24 s
